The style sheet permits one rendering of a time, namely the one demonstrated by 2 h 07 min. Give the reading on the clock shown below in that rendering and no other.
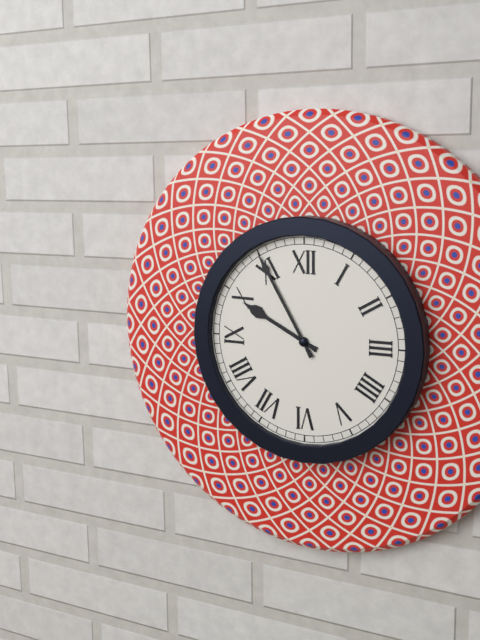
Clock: 9 h 55 min
